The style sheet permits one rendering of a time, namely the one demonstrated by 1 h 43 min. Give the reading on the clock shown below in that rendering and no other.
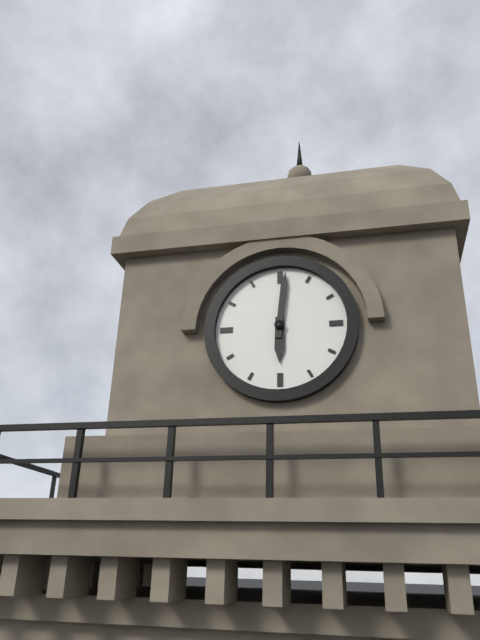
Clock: 6 h 01 min
